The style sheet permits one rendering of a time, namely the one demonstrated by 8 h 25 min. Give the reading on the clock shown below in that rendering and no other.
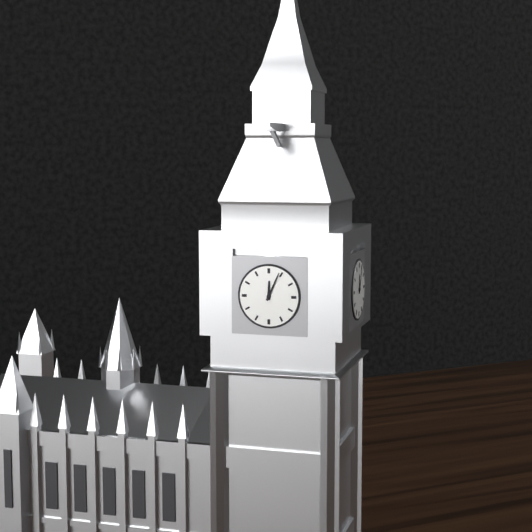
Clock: 12 h 04 min
